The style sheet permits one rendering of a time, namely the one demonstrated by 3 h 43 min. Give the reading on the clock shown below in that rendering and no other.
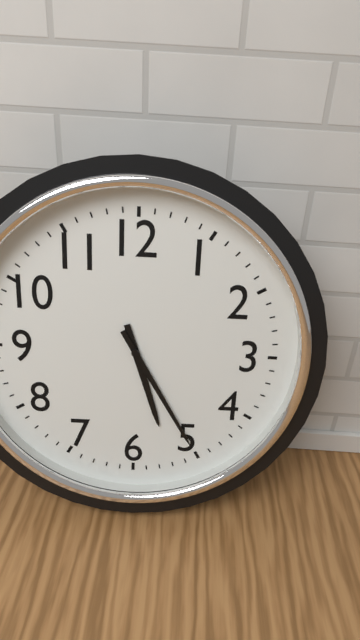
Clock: 5 h 25 min
